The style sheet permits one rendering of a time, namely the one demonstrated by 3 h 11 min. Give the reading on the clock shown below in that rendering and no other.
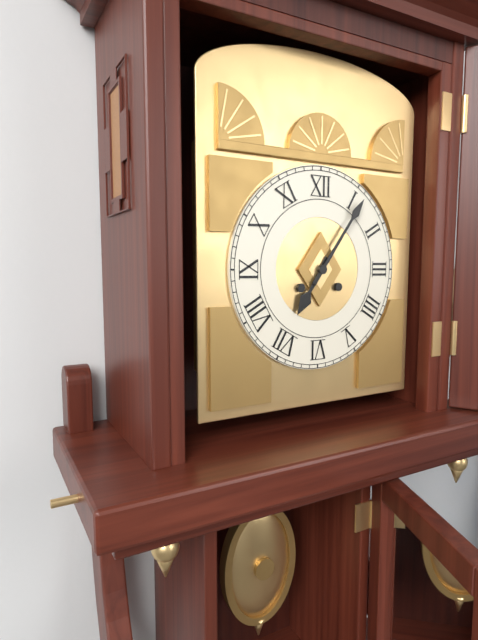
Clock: 7 h 06 min
